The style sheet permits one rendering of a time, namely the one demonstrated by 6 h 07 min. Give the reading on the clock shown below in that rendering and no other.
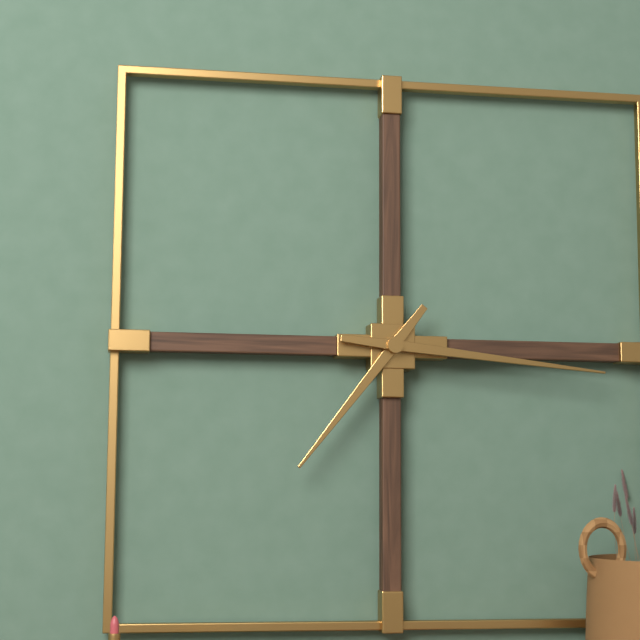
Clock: 7 h 16 min
